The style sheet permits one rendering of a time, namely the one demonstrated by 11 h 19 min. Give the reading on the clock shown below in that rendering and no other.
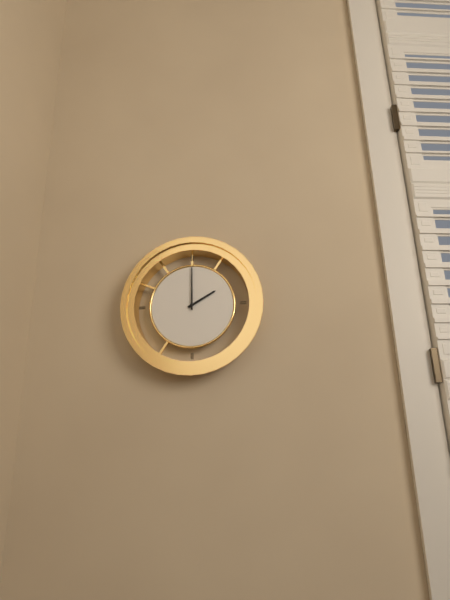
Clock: 2 h 00 min
